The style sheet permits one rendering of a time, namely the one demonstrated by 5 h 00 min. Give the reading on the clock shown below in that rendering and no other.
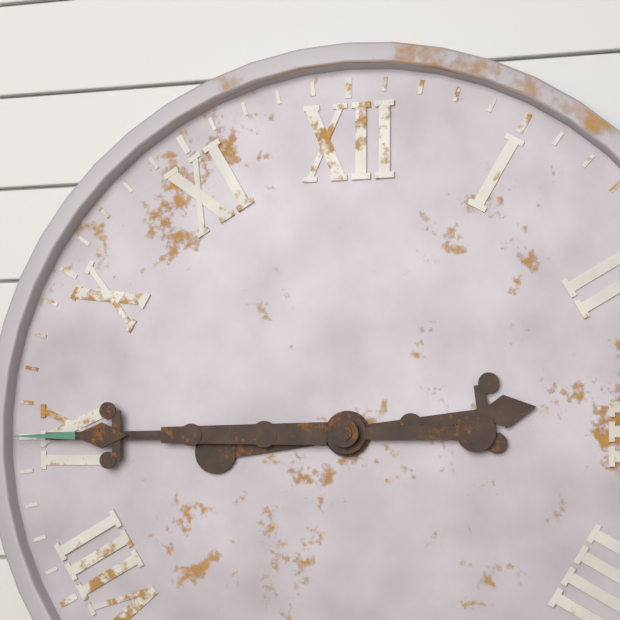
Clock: 2 h 45 min
